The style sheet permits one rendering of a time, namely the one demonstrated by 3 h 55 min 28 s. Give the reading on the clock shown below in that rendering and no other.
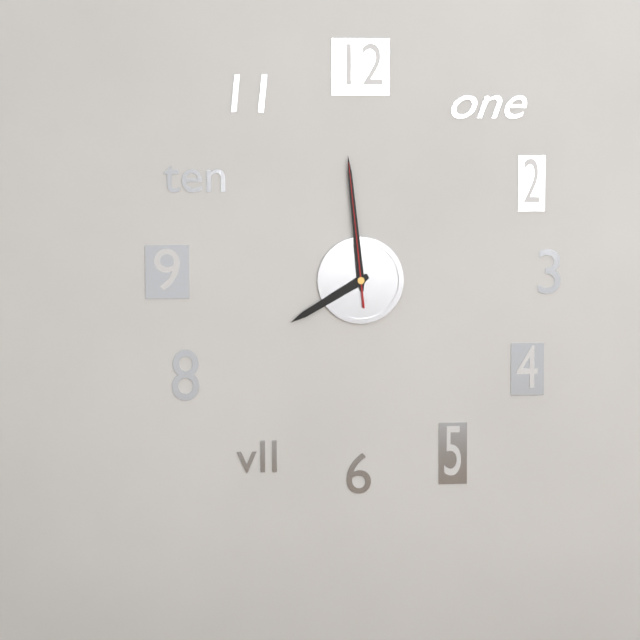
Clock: 7 h 59 min 59 s
